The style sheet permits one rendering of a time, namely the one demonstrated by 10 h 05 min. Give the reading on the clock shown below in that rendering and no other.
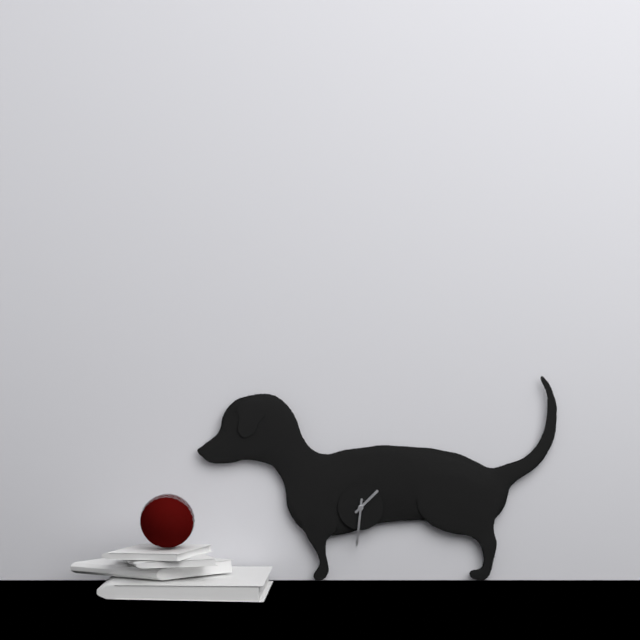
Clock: 1 h 31 min
